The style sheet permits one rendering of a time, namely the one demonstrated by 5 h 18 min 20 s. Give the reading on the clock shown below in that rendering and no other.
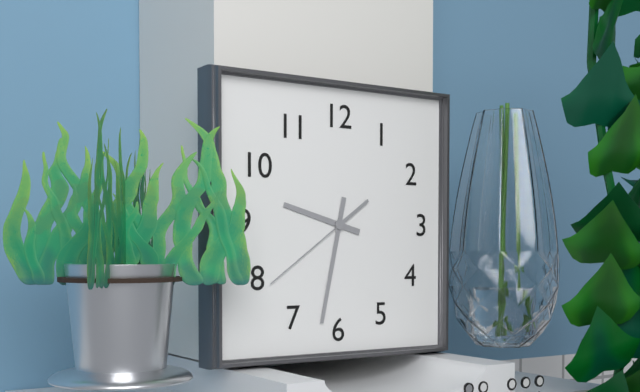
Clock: 9 h 32 min 39 s
